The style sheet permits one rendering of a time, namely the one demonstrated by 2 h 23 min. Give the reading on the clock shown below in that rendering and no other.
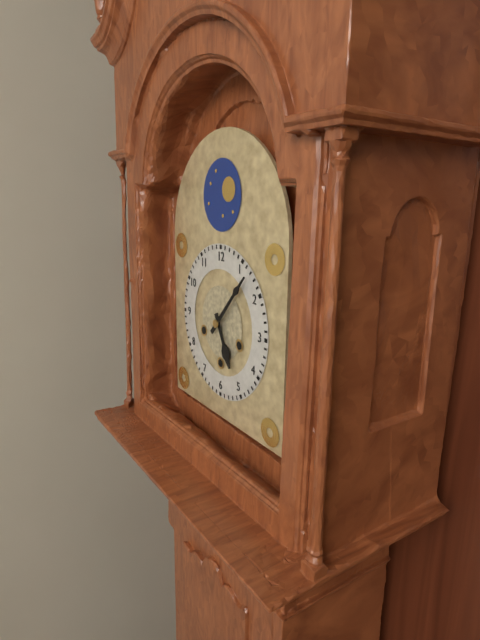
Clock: 5 h 07 min
